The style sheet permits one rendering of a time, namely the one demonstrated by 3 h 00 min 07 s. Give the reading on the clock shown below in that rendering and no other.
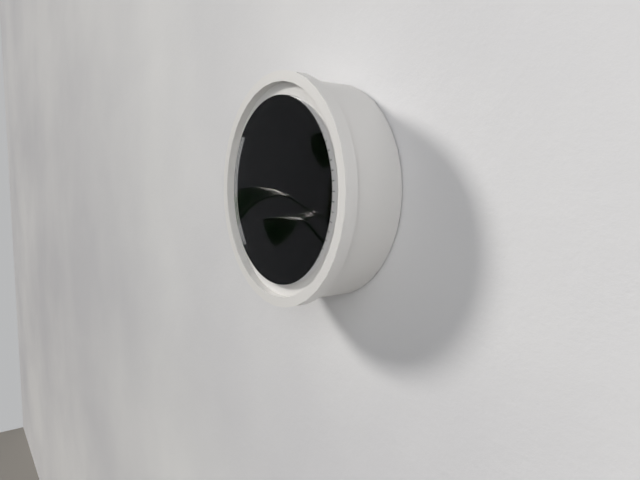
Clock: 5 h 21 min 54 s
